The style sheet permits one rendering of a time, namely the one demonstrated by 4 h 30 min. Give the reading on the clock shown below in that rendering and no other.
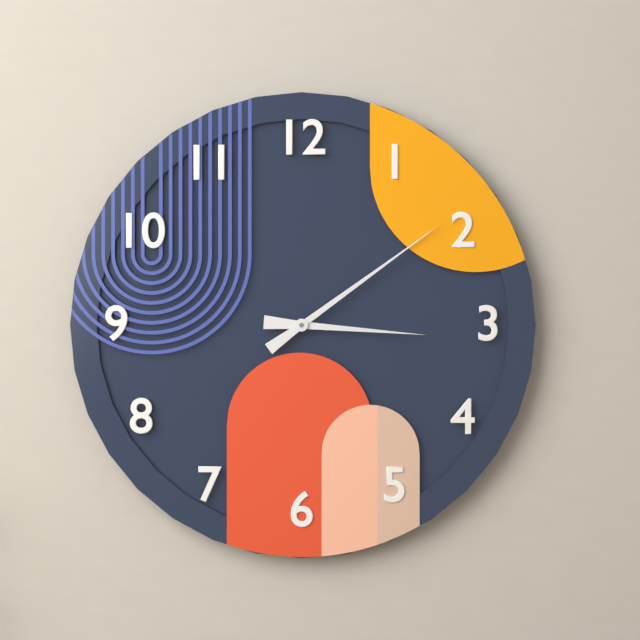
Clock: 3 h 09 min
